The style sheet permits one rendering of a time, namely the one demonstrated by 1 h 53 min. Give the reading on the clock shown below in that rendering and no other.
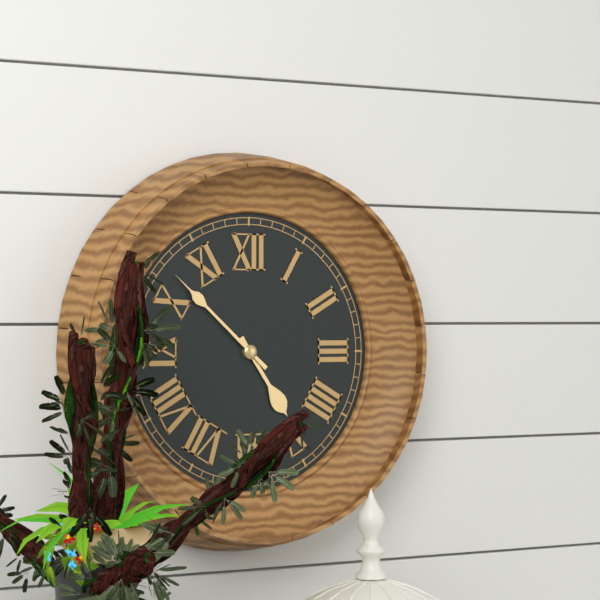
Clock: 4 h 52 min
